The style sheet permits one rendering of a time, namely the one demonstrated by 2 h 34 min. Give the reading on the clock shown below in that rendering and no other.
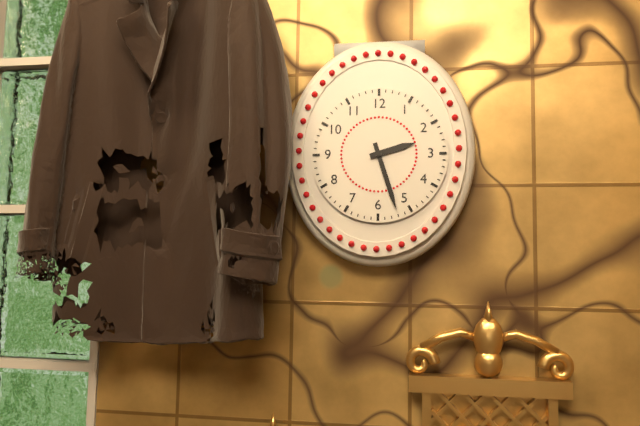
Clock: 2 h 27 min
